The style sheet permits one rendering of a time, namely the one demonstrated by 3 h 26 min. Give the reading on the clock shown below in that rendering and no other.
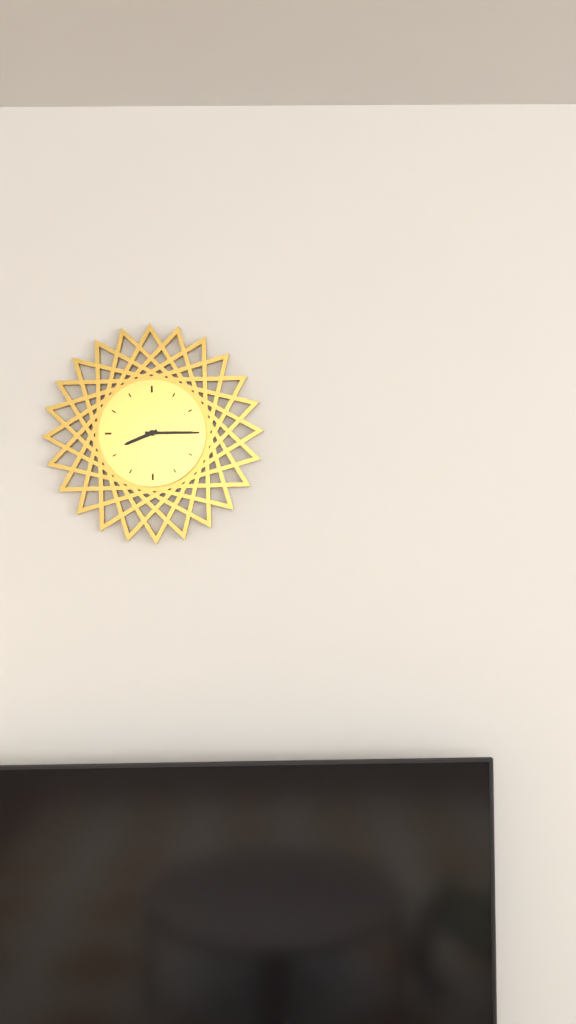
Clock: 8 h 15 min
